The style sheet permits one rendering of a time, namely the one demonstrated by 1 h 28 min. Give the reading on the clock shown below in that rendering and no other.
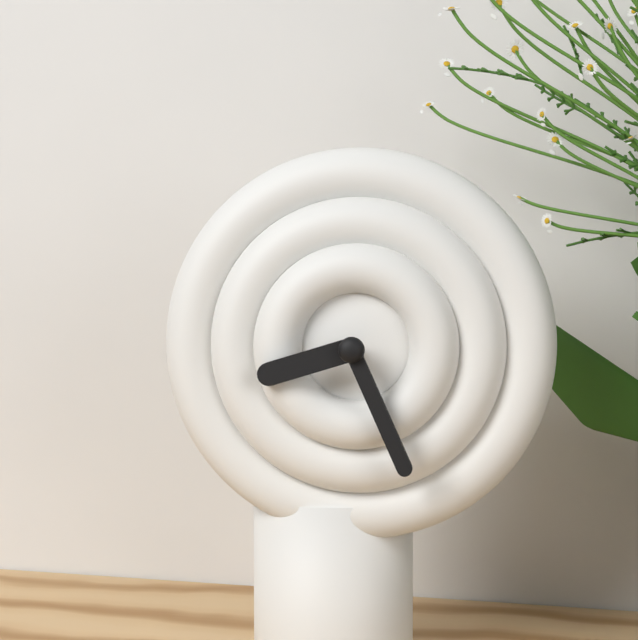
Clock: 8 h 26 min
